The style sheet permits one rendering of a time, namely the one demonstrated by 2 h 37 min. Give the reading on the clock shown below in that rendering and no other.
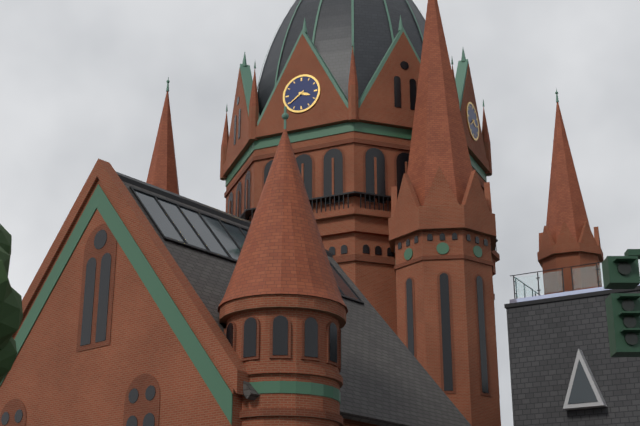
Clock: 3 h 39 min
